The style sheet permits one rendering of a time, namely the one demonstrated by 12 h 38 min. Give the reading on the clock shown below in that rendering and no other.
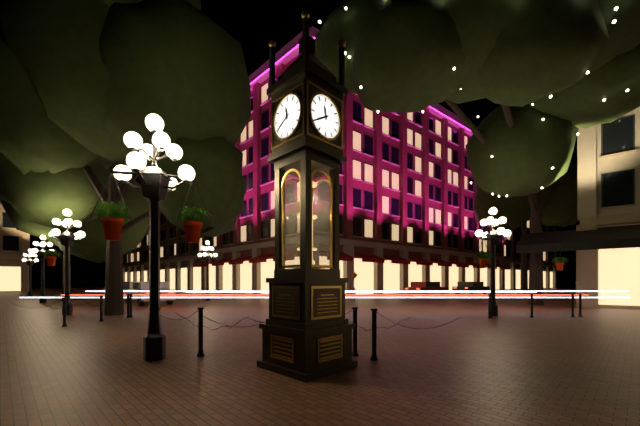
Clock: 11 h 40 min
